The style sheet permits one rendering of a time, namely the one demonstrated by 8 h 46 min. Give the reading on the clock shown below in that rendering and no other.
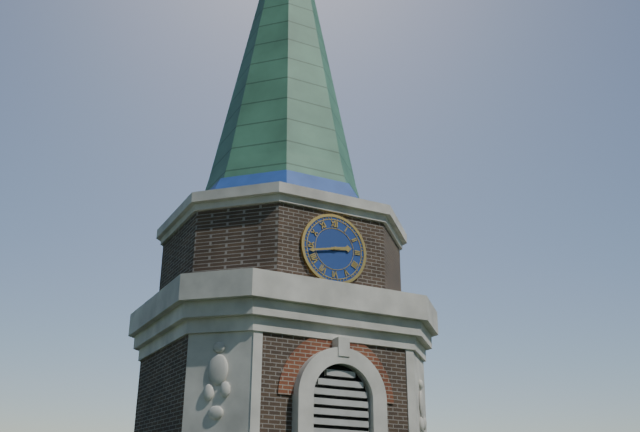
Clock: 2 h 43 min
